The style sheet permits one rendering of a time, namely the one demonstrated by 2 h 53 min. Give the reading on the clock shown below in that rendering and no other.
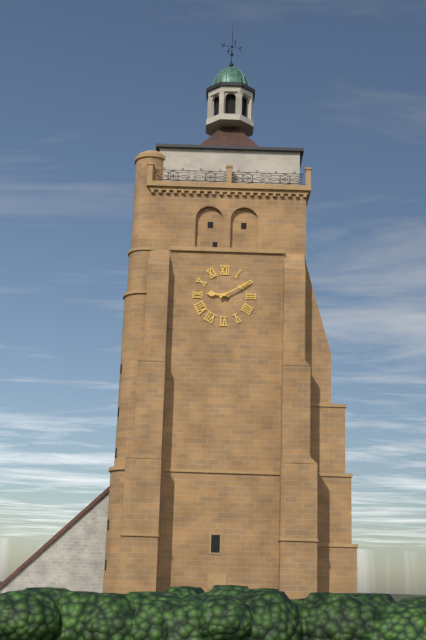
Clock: 9 h 10 min
